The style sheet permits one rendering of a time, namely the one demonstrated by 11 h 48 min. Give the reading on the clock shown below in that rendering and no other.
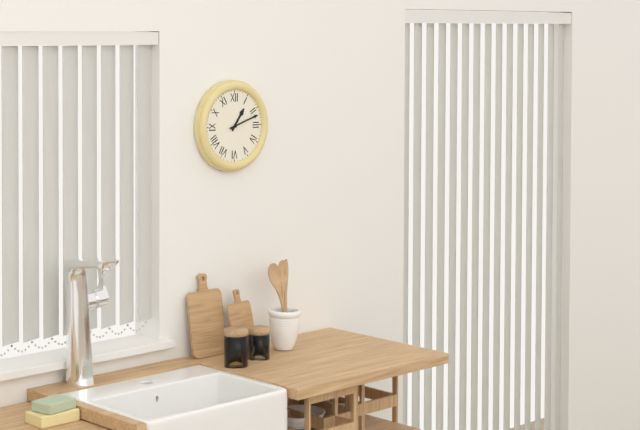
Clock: 1 h 12 min
